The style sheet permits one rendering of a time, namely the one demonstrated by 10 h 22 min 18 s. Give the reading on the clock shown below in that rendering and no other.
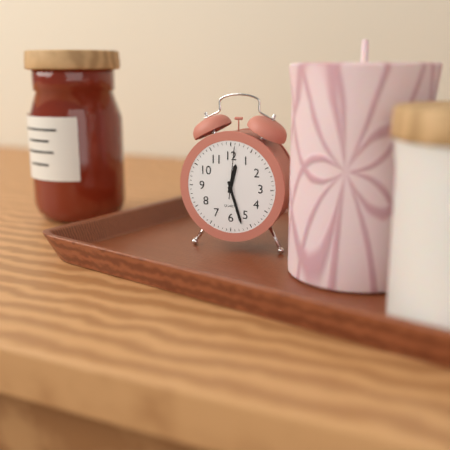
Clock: 12 h 27 min 01 s
